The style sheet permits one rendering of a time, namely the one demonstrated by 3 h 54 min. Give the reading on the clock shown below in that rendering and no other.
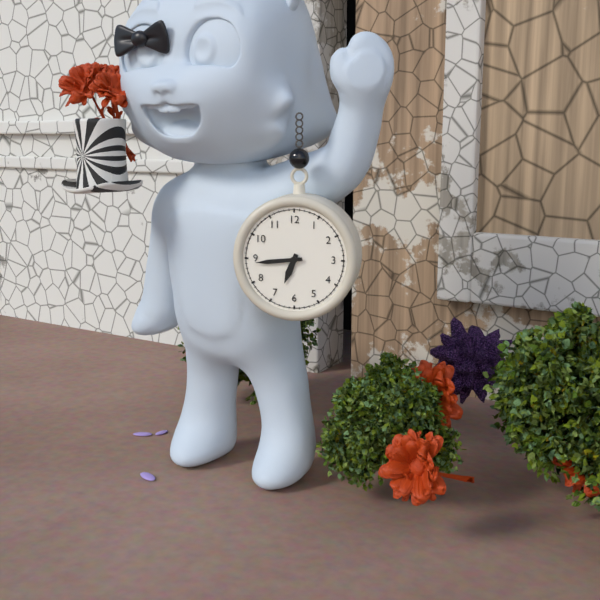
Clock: 6 h 44 min
